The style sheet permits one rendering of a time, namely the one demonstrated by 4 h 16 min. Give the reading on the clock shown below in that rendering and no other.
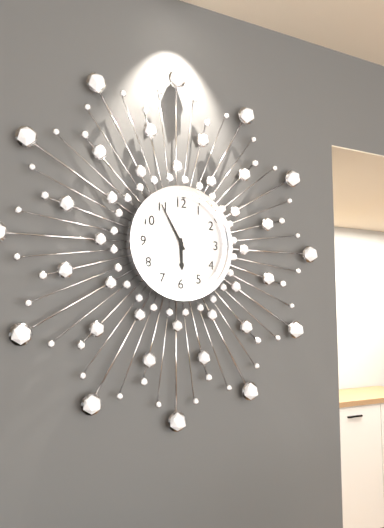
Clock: 5 h 55 min
